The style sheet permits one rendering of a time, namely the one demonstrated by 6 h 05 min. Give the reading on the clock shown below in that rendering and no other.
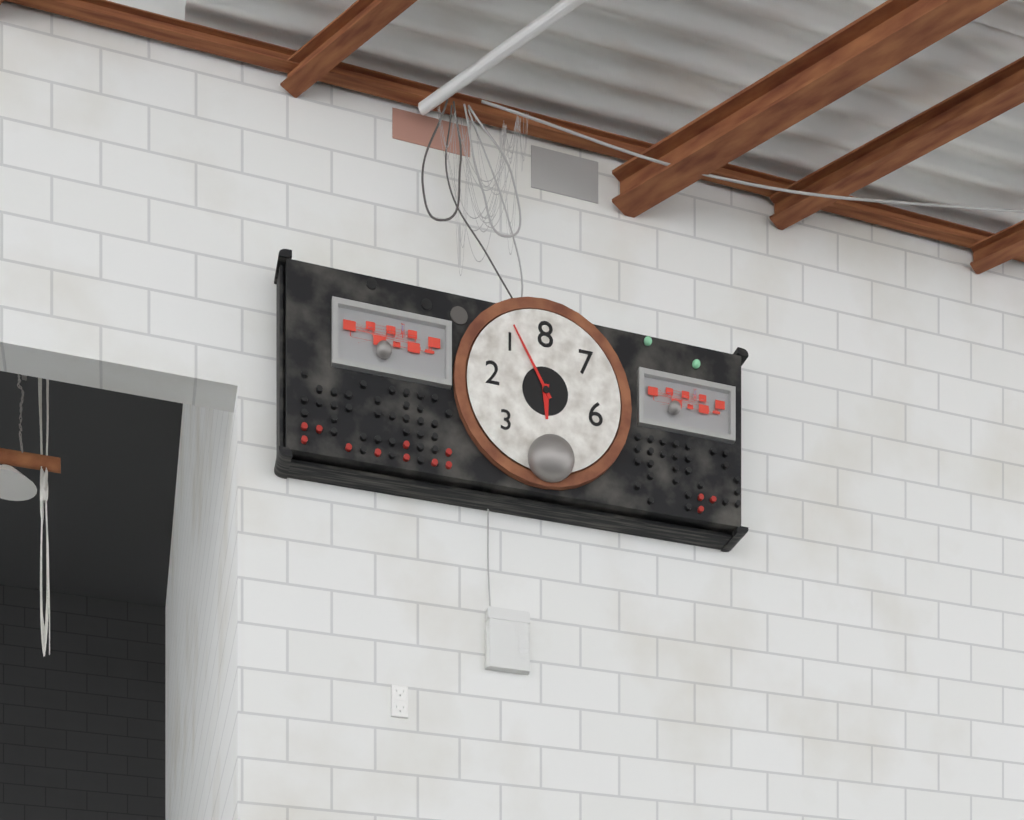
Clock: 5 h 55 min
